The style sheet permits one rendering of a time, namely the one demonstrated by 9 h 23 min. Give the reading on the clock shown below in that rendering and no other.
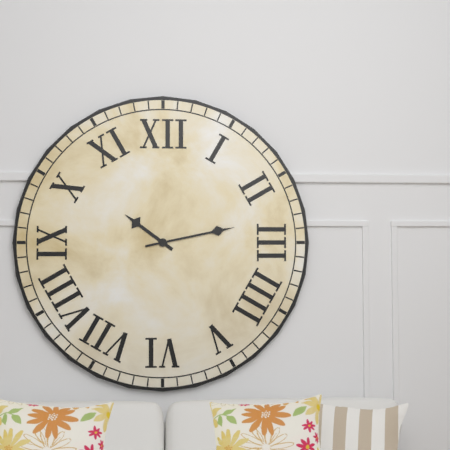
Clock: 10 h 13 min
